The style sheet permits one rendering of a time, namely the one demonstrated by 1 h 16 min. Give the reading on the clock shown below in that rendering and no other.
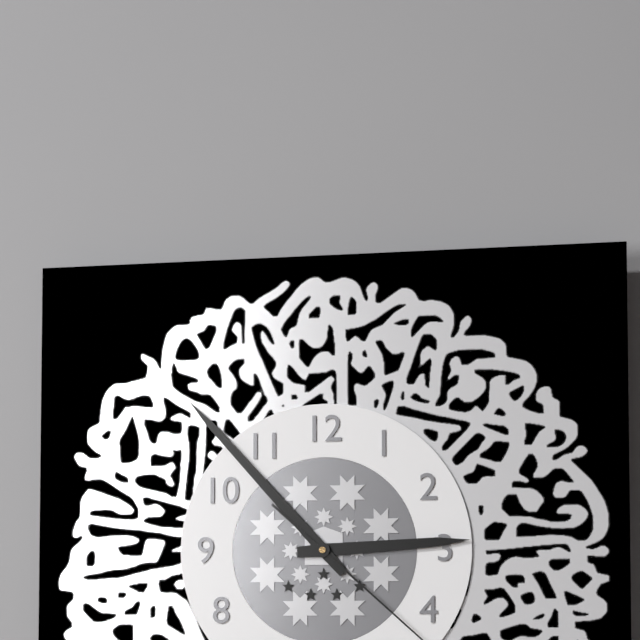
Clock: 2 h 53 min
